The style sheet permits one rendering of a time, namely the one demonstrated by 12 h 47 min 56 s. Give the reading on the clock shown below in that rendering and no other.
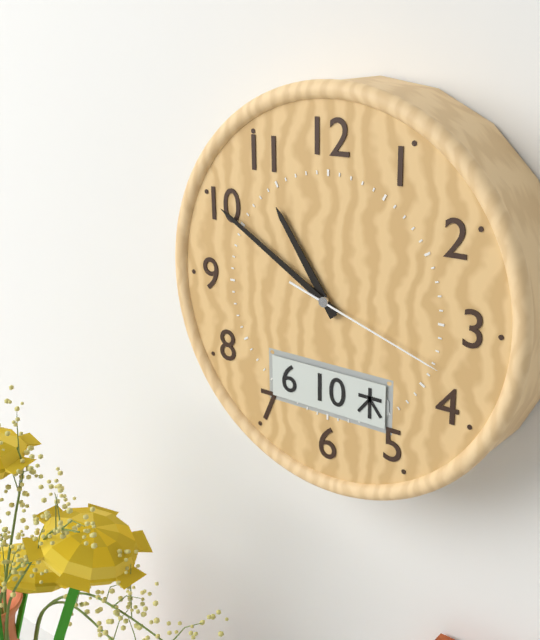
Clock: 10 h 50 min 18 s
